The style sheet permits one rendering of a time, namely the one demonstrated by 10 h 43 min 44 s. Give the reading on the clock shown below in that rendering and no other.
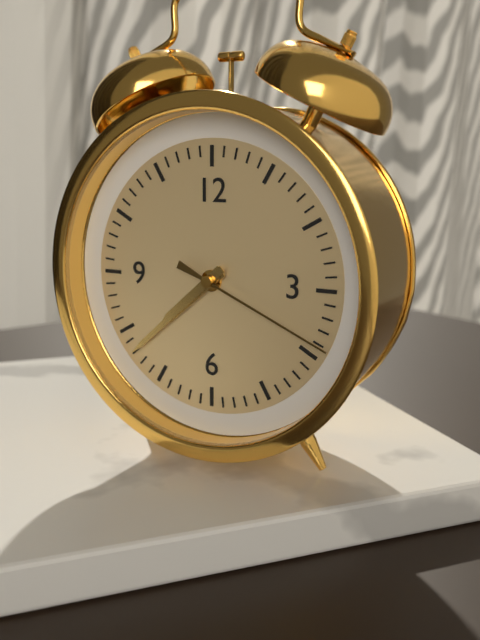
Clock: 7 h 38 min 19 s
